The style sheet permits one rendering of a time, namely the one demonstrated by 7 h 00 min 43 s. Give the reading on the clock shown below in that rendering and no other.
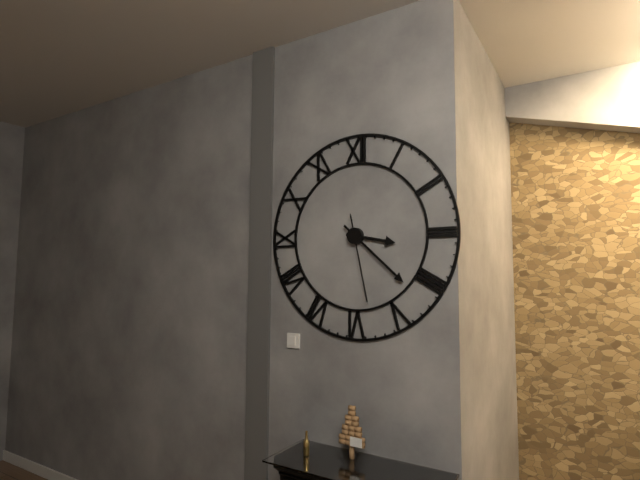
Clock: 3 h 22 min 28 s
